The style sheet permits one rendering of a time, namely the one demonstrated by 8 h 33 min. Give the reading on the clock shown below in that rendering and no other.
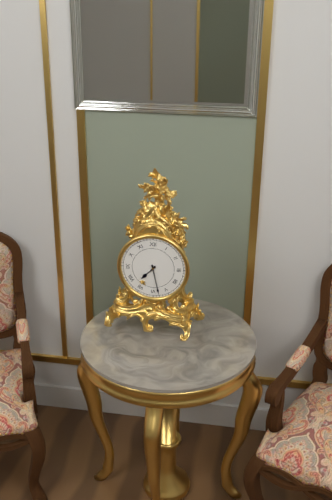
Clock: 7 h 28 min
